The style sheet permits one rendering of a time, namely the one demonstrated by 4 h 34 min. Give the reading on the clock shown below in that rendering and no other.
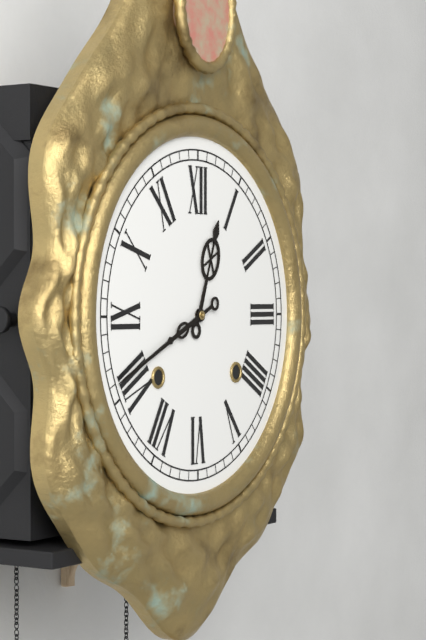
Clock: 12 h 41 min
